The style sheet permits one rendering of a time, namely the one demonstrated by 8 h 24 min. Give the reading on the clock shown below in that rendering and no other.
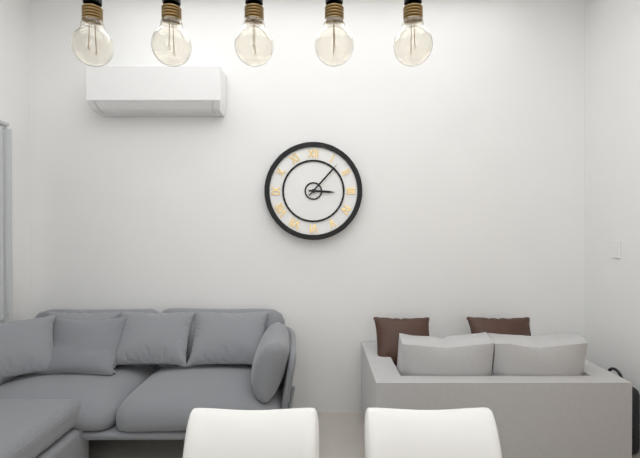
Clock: 3 h 07 min
